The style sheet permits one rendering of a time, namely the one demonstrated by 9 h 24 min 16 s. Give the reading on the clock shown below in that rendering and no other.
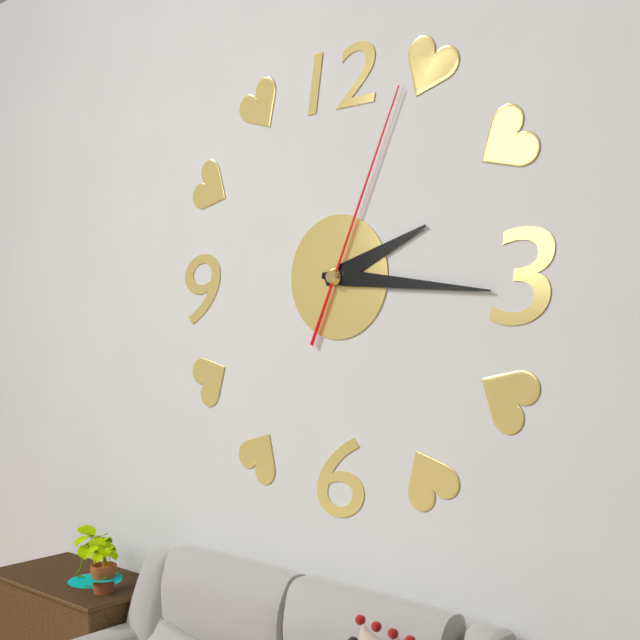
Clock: 2 h 16 min 04 s
